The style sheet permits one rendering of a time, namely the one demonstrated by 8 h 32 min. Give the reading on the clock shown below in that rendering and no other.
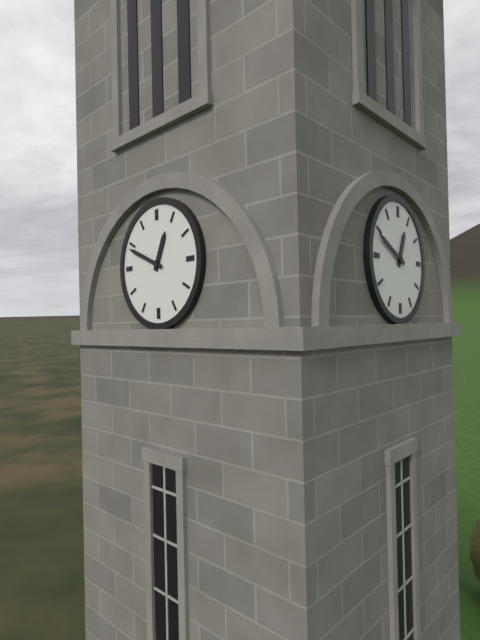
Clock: 12 h 49 min
